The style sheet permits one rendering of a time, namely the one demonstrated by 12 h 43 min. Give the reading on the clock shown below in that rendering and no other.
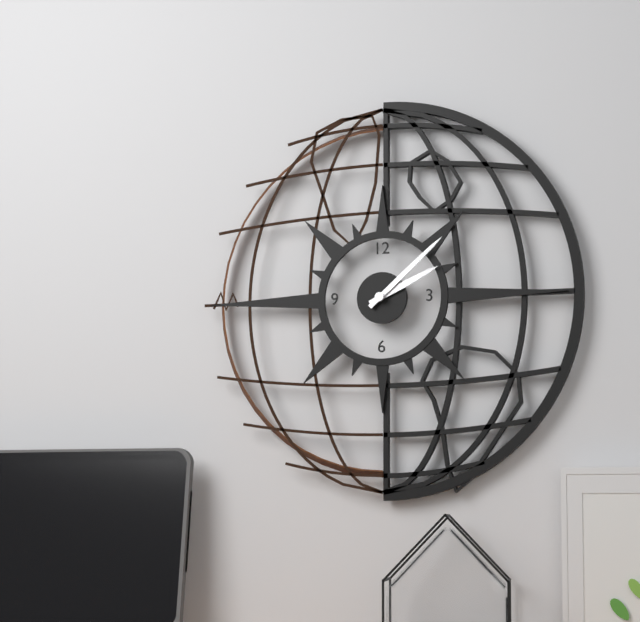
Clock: 2 h 08 min
